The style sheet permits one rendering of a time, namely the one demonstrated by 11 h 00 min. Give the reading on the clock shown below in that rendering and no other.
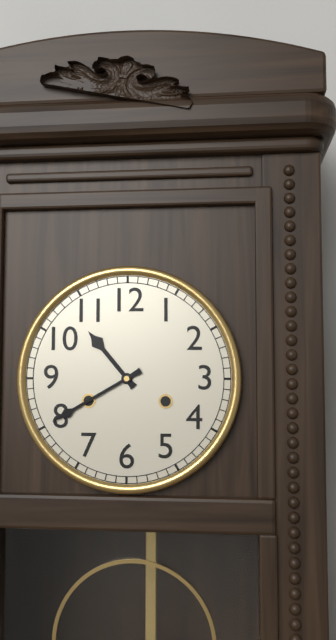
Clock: 10 h 40 min
